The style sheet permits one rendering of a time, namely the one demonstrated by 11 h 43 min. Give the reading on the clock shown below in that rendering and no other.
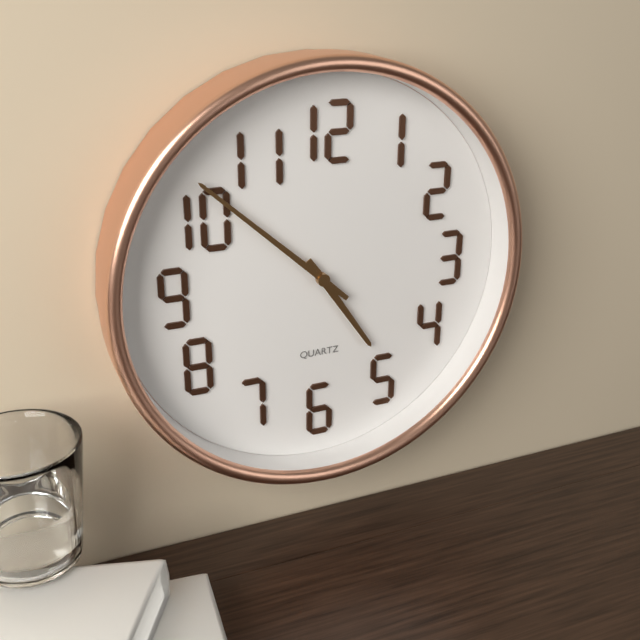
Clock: 4 h 52 min
